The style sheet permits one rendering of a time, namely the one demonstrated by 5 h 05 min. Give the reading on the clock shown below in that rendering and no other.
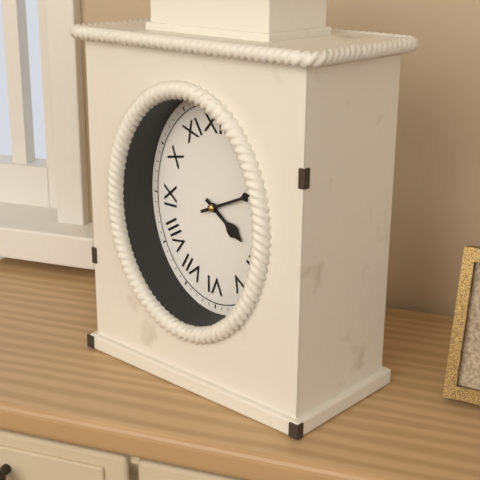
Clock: 4 h 11 min
